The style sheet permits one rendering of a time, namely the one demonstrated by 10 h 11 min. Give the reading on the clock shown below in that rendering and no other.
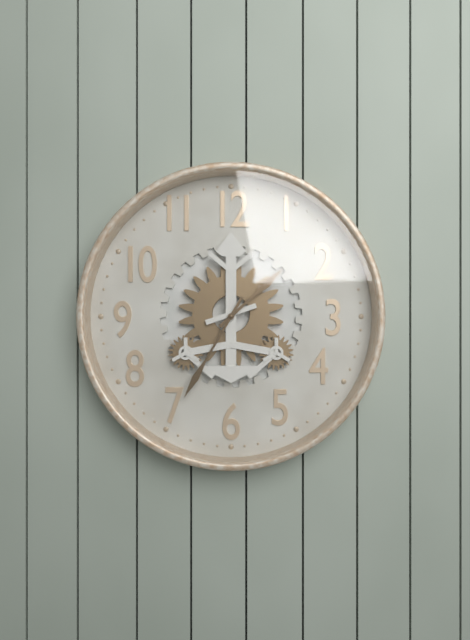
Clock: 1 h 35 min
